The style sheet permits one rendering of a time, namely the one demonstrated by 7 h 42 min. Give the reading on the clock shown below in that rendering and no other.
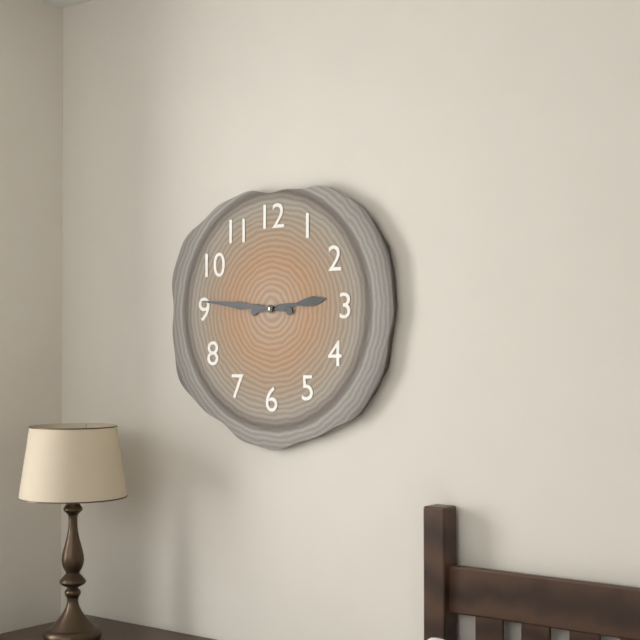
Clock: 2 h 46 min
